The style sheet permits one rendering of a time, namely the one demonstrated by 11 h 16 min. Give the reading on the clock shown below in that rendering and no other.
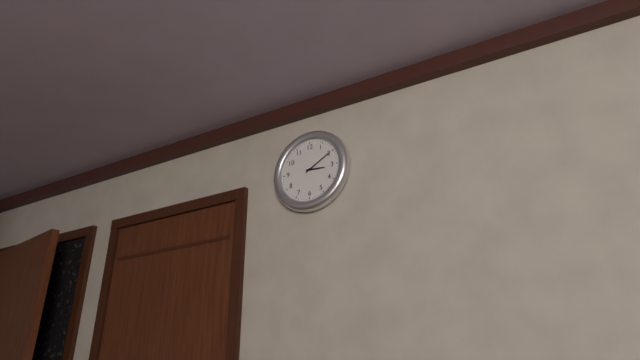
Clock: 3 h 10 min
